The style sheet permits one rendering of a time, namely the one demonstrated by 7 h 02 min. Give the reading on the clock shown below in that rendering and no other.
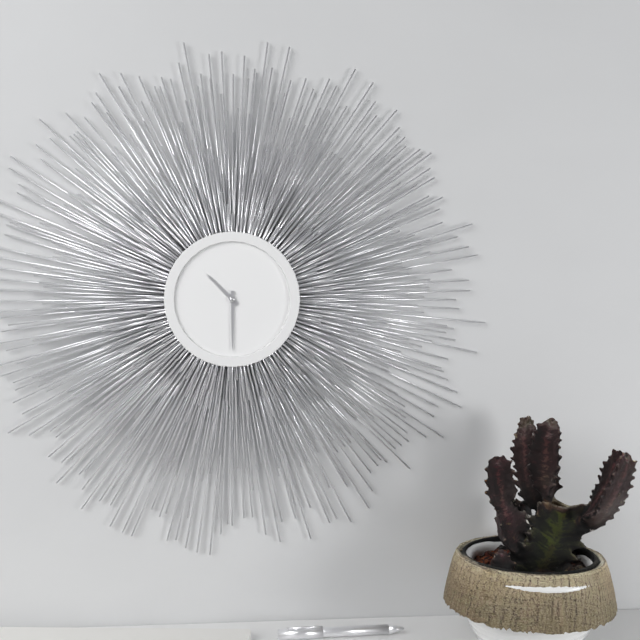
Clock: 10 h 30 min
